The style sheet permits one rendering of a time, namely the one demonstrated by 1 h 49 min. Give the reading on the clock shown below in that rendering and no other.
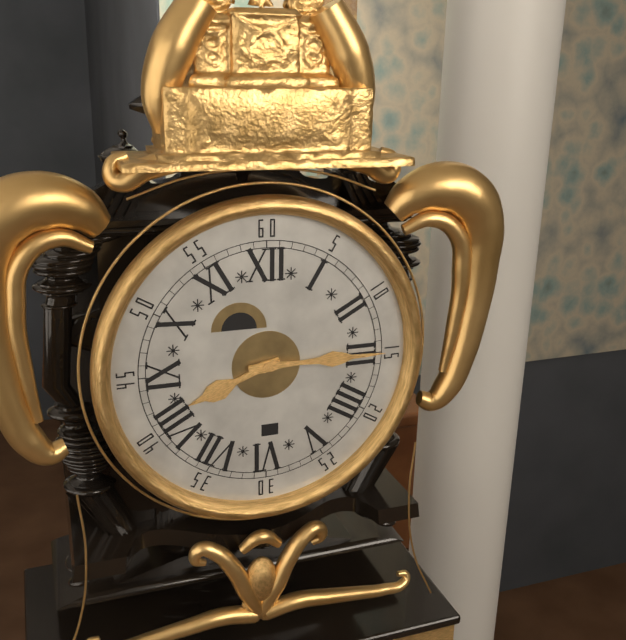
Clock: 8 h 15 min
